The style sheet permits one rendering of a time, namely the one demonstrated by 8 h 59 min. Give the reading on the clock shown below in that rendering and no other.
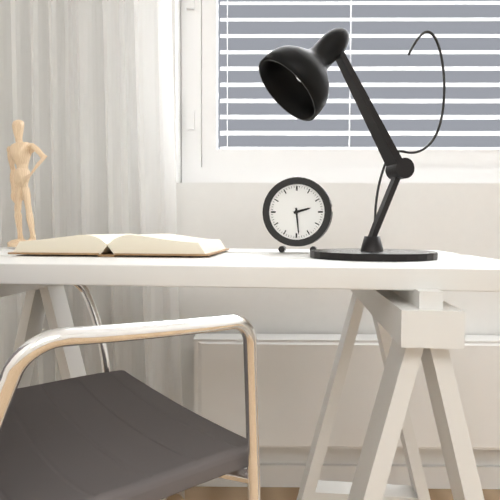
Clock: 2 h 29 min
